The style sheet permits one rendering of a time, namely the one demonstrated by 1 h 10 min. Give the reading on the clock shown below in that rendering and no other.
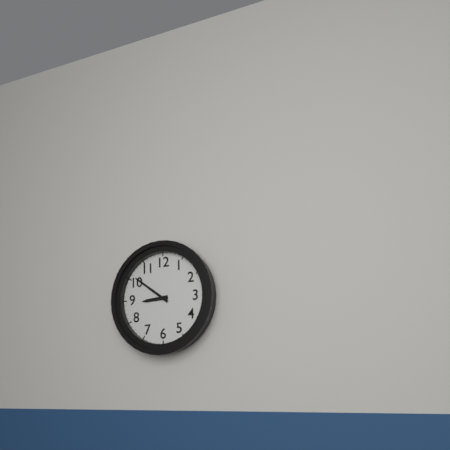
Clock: 8 h 51 min
